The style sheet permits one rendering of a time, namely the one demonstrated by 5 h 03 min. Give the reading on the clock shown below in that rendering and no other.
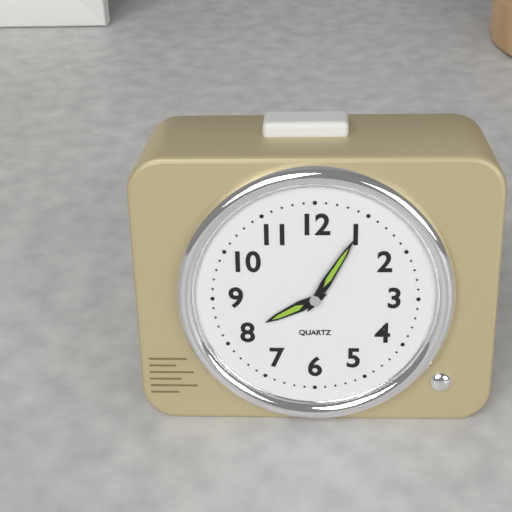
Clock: 8 h 05 min
